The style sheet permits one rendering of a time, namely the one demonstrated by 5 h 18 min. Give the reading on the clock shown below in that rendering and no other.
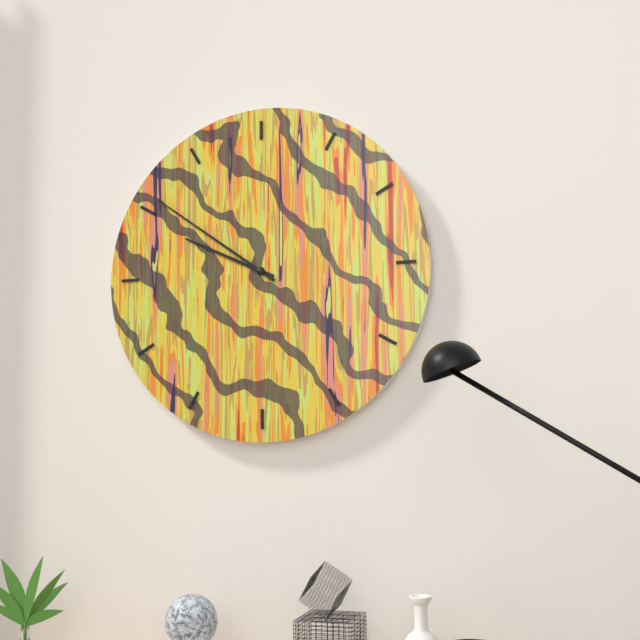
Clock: 9 h 51 min
